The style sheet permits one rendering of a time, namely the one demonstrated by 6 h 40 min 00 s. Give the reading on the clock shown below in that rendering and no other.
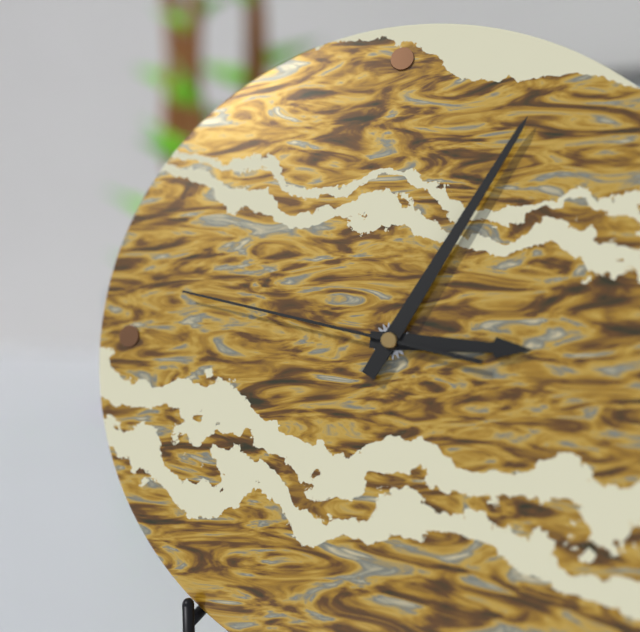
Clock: 3 h 05 min 47 s
